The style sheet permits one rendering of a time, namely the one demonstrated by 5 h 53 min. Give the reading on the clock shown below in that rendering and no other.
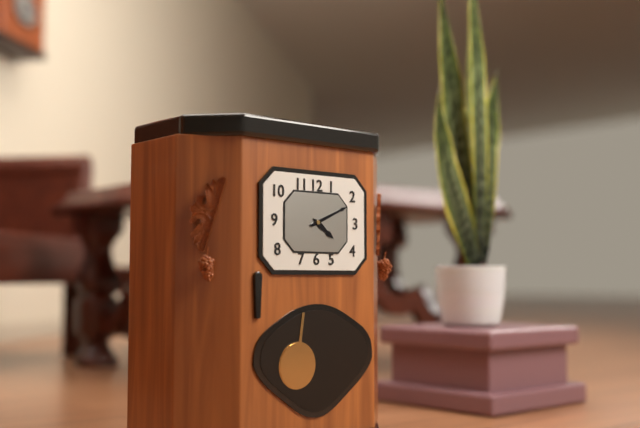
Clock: 4 h 11 min
